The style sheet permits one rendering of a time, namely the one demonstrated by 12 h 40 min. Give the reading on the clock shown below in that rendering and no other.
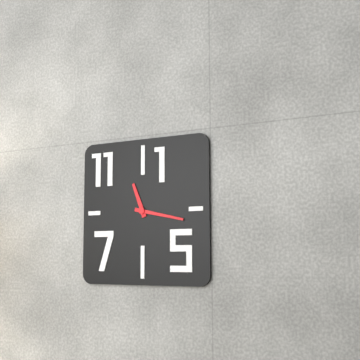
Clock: 11 h 17 min
